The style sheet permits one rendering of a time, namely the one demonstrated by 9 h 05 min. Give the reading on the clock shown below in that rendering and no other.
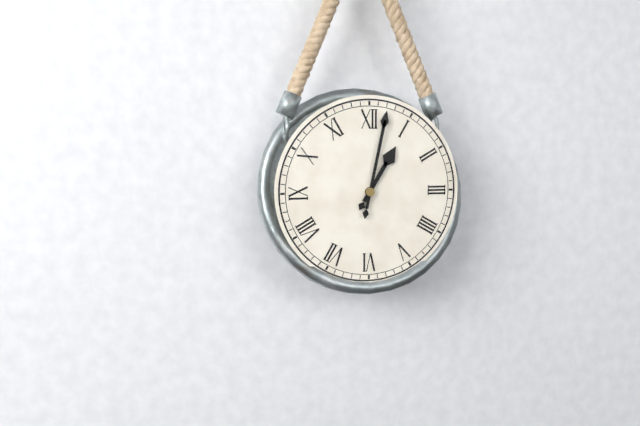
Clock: 1 h 02 min
